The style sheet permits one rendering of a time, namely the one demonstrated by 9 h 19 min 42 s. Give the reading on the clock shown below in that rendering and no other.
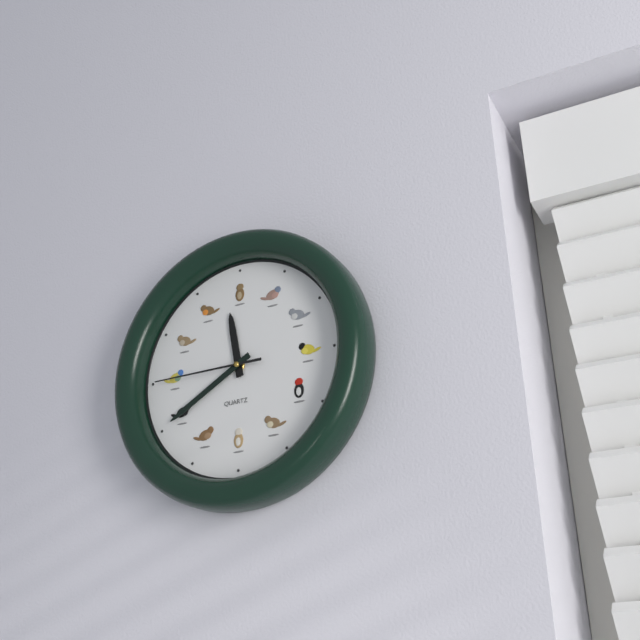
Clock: 11 h 40 min 45 s
